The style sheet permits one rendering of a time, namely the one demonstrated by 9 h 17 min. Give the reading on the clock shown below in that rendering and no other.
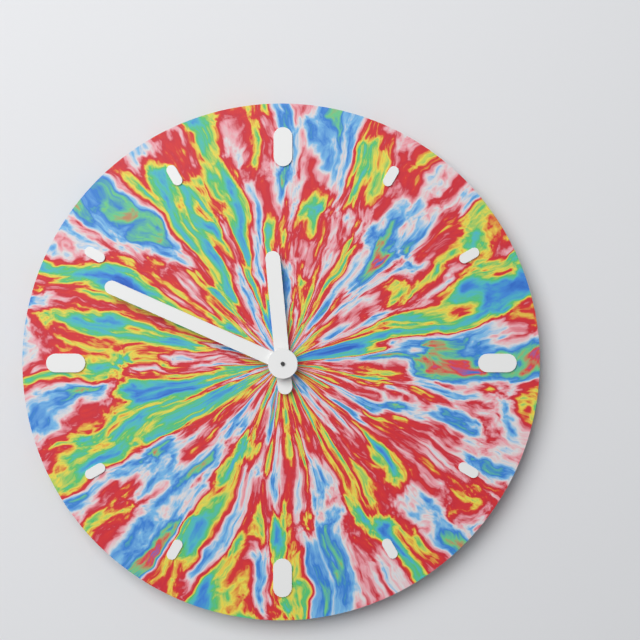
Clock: 11 h 49 min
